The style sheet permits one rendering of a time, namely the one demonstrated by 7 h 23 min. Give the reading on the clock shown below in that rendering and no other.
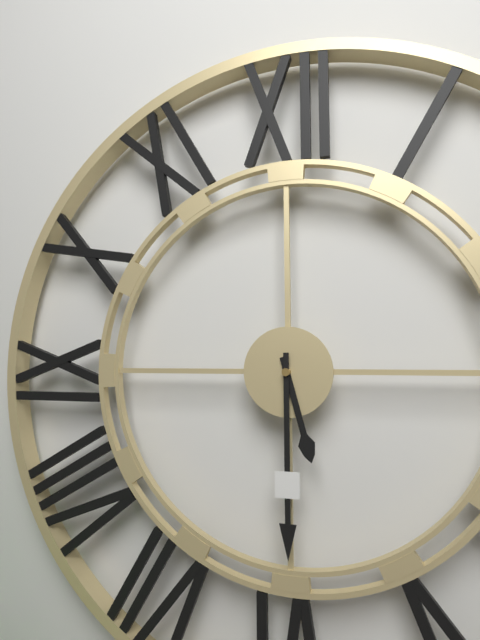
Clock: 5 h 30 min
